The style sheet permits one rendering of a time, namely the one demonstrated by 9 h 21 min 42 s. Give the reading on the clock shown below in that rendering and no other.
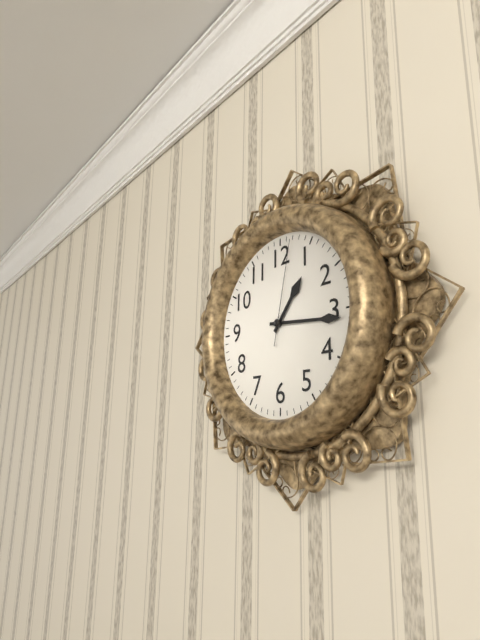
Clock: 1 h 16 min 02 s
